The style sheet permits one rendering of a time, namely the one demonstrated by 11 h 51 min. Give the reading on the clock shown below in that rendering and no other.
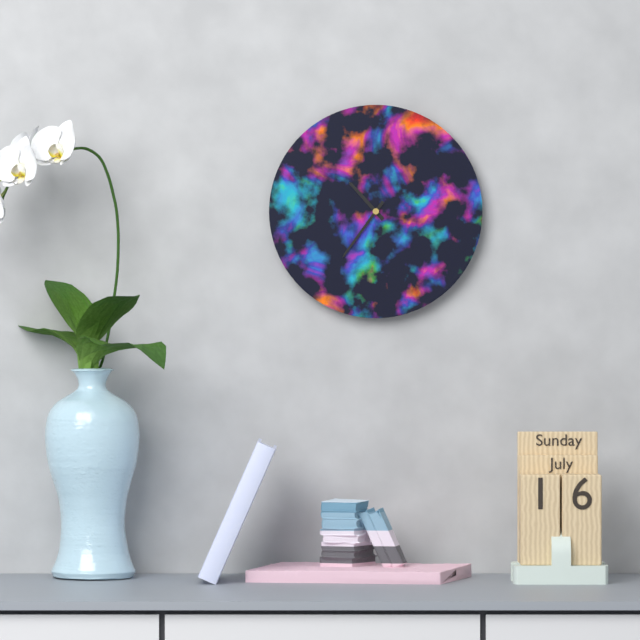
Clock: 10 h 36 min
